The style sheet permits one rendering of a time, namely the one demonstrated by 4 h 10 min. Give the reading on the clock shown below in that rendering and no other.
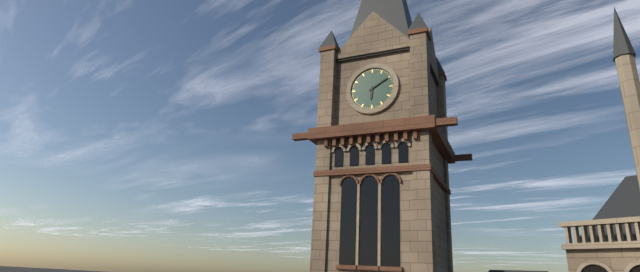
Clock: 6 h 10 min
